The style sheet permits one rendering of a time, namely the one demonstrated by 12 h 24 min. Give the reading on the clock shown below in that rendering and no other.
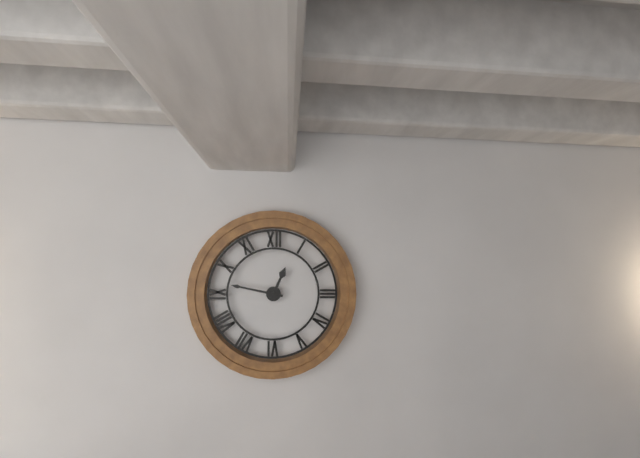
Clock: 12 h 47 min
